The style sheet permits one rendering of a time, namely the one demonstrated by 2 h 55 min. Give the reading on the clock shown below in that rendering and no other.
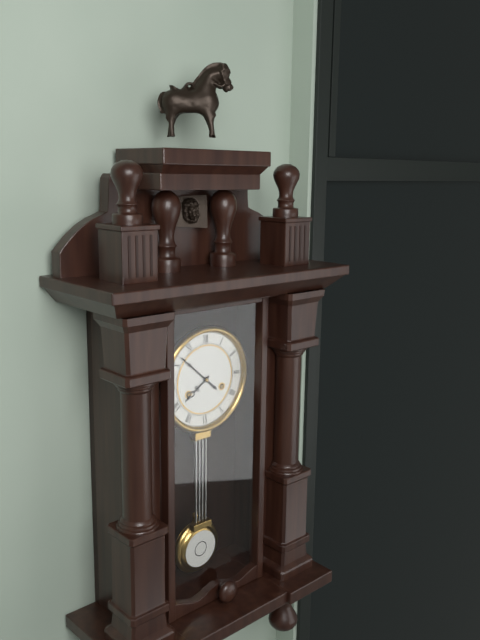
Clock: 7 h 52 min
